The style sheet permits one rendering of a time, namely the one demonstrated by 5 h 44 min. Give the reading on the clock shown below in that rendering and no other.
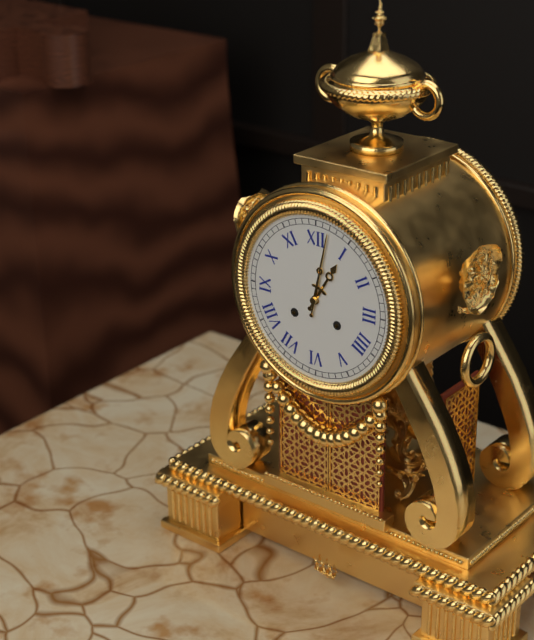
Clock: 1 h 02 min
